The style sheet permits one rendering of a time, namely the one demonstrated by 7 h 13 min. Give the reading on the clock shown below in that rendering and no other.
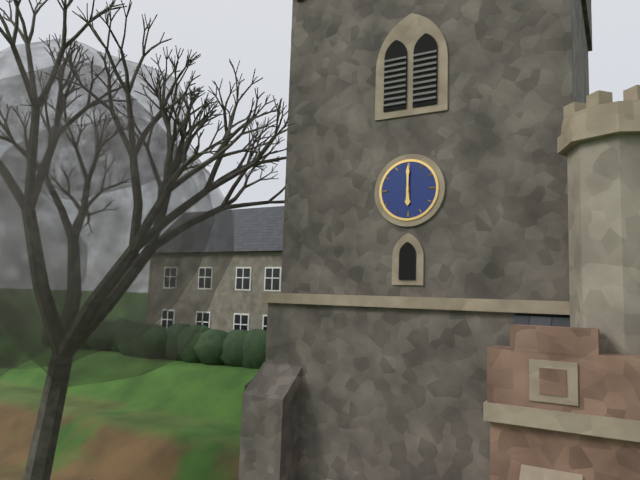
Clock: 6 h 00 min
